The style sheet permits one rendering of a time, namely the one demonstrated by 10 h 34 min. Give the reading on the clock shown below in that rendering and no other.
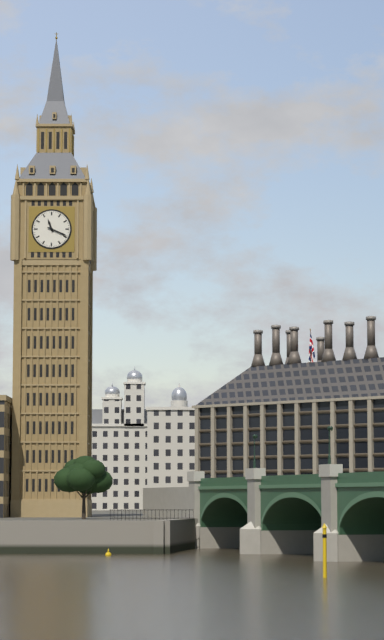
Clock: 11 h 19 min
